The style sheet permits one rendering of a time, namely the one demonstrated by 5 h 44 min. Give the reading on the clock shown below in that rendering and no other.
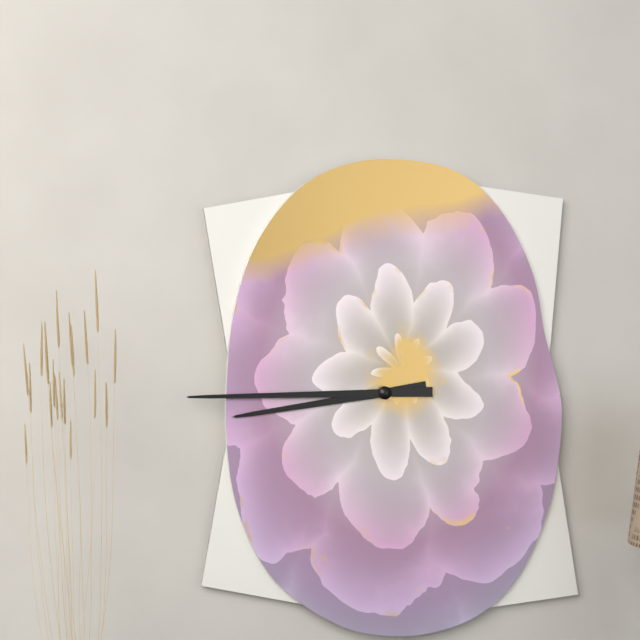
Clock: 8 h 45 min
